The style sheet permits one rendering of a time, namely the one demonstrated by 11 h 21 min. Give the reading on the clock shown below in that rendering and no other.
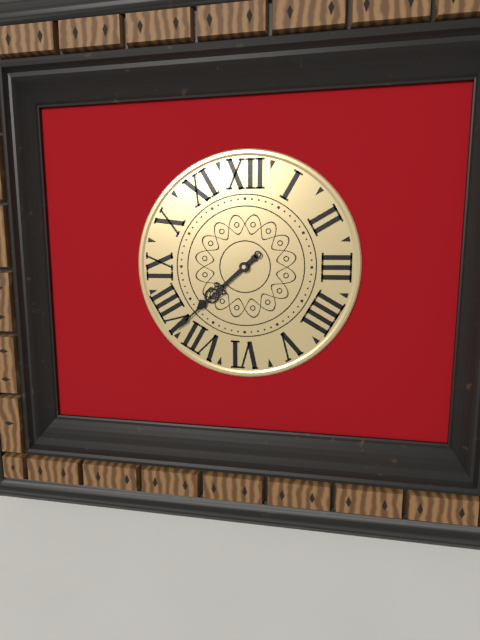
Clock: 7 h 38 min
